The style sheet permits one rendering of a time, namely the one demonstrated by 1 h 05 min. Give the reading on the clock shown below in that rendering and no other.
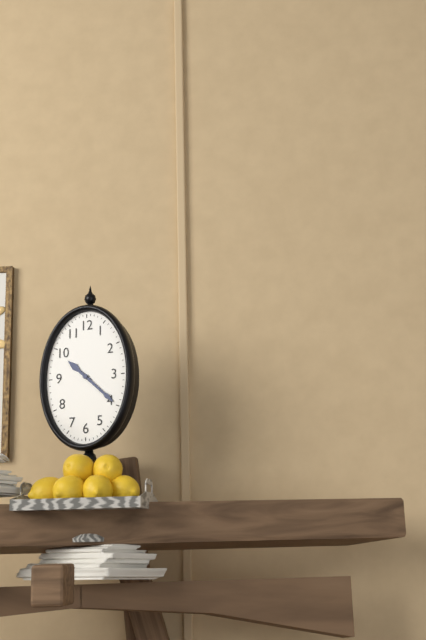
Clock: 10 h 22 min
